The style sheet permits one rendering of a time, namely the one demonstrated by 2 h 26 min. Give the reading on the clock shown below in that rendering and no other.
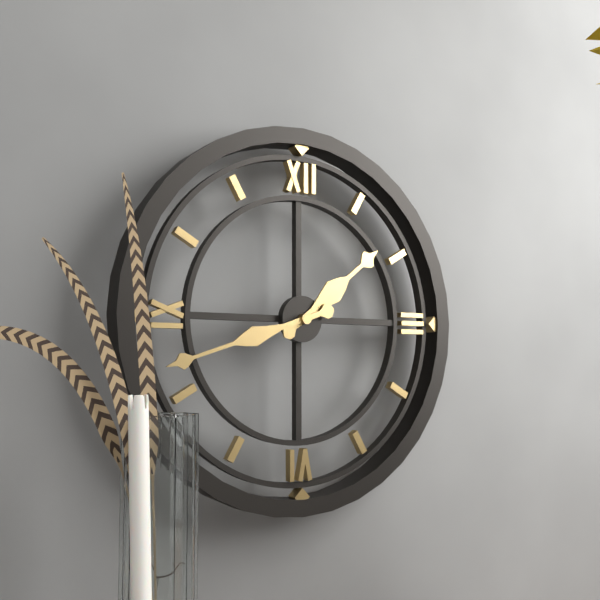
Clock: 1 h 42 min
